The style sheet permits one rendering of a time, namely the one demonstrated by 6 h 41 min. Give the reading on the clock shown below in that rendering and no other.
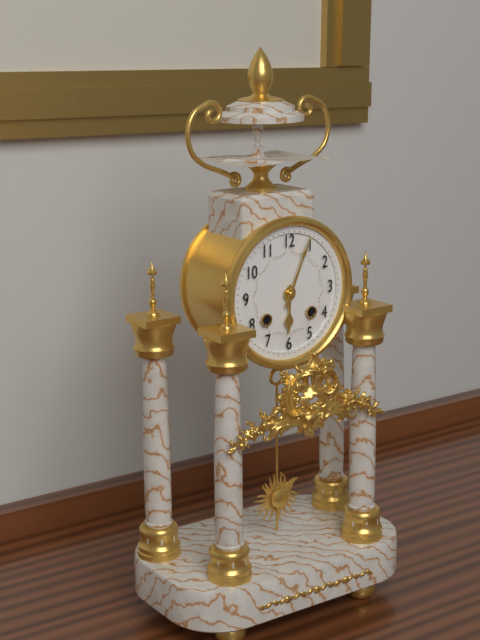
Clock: 6 h 04 min
